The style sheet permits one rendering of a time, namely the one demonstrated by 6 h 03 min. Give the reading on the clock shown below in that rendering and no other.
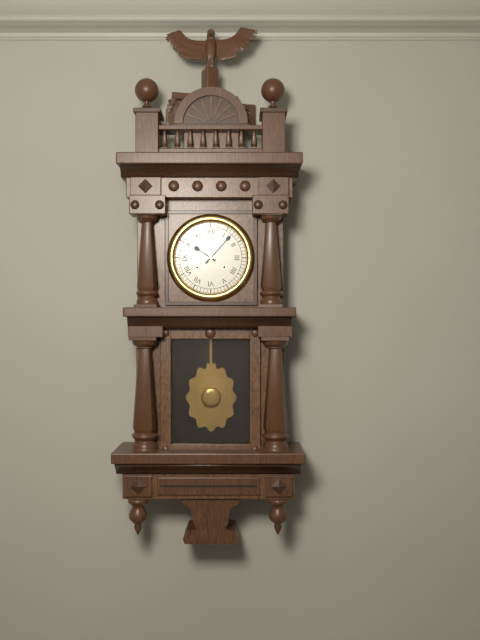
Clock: 10 h 07 min
